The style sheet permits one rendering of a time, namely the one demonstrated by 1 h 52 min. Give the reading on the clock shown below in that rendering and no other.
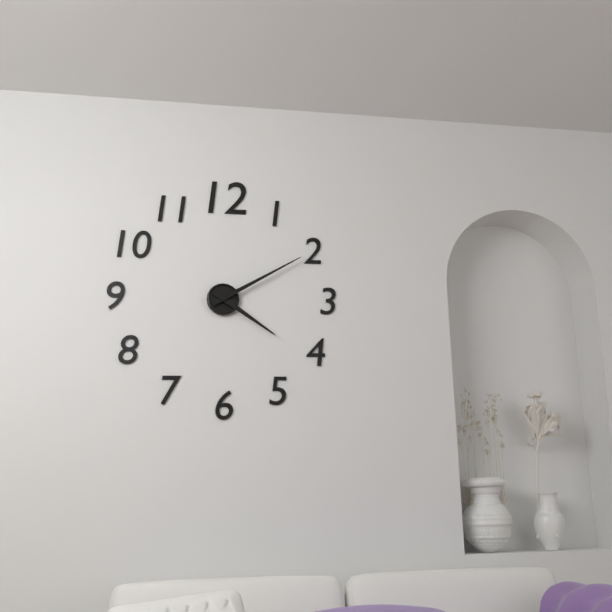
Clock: 4 h 10 min
